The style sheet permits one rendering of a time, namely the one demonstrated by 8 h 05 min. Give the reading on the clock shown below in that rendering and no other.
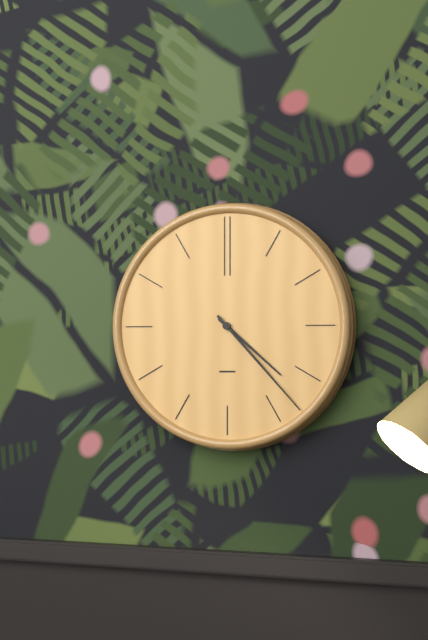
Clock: 4 h 23 min
